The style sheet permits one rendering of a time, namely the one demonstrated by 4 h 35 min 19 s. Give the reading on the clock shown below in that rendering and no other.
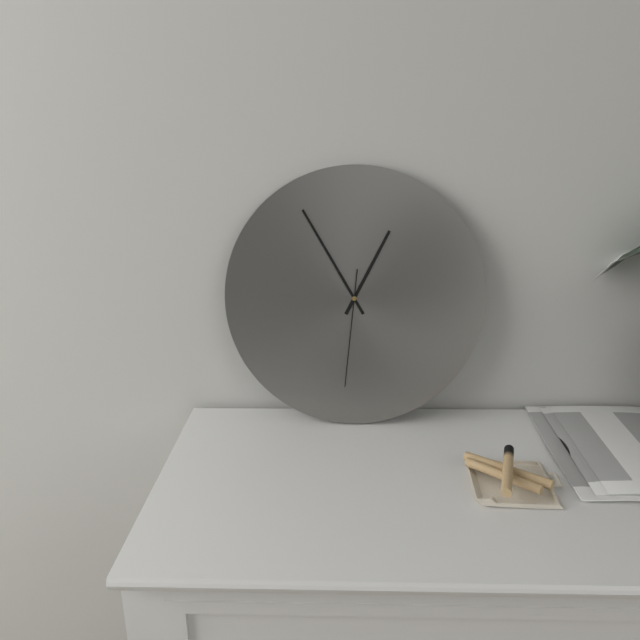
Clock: 12 h 55 min 31 s
